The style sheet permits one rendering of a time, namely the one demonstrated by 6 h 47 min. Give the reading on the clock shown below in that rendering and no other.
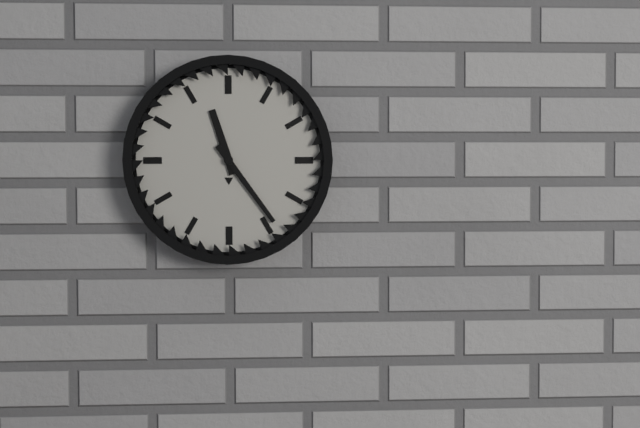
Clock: 11 h 24 min
